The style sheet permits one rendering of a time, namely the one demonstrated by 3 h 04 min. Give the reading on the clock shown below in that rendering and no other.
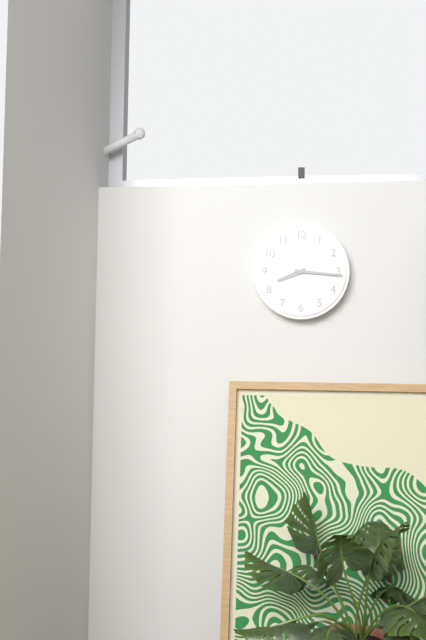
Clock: 8 h 16 min
